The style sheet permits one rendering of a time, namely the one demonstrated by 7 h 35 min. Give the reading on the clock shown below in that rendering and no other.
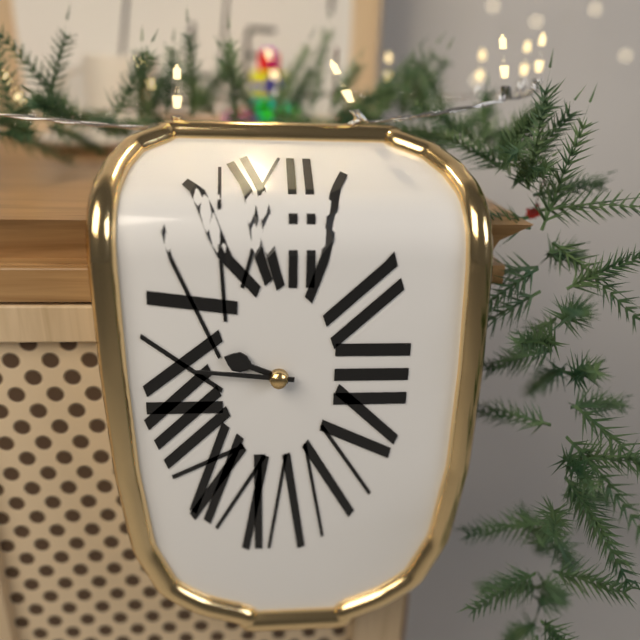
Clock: 9 h 46 min
